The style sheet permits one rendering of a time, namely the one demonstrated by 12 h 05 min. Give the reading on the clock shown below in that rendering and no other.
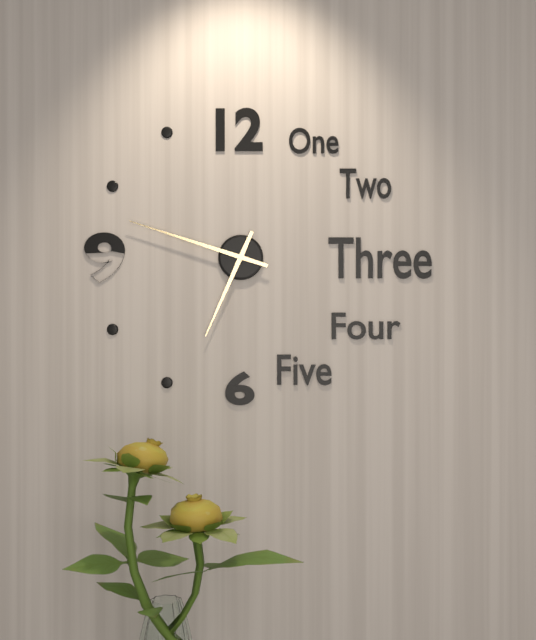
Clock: 6 h 48 min
